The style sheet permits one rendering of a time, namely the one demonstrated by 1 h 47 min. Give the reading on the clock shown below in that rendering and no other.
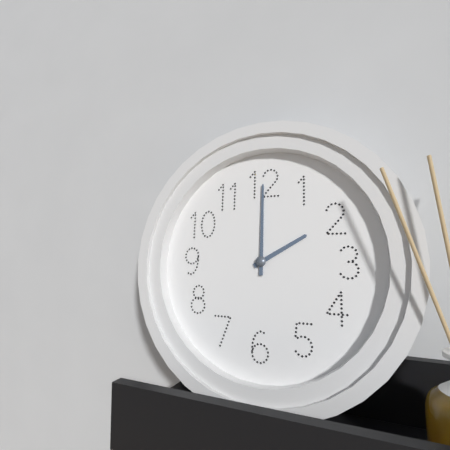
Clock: 2 h 00 min
